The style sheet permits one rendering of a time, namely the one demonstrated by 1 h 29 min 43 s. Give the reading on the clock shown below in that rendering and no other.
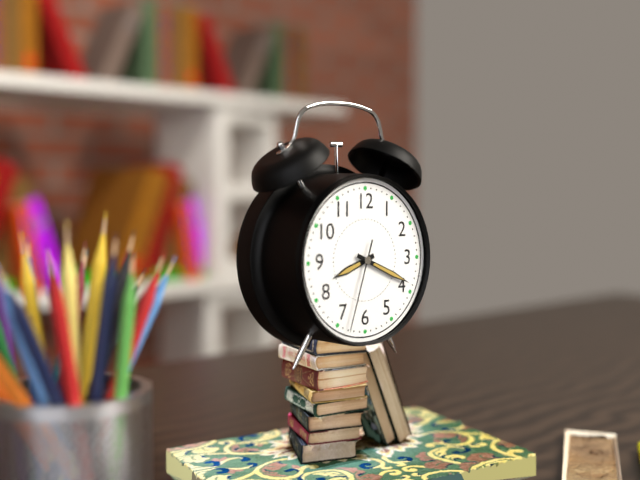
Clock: 8 h 19 min 33 s
